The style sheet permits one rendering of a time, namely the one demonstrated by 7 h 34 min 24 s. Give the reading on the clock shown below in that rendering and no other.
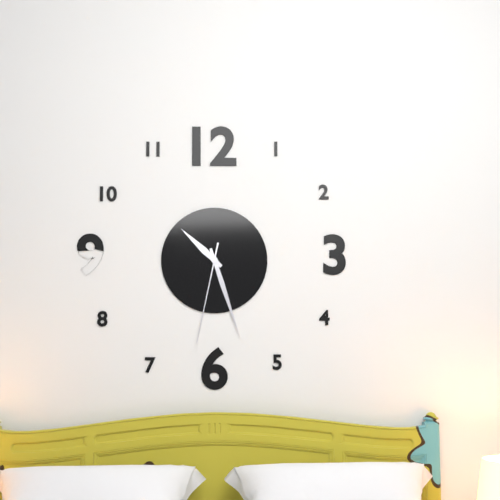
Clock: 10 h 27 min 32 s
